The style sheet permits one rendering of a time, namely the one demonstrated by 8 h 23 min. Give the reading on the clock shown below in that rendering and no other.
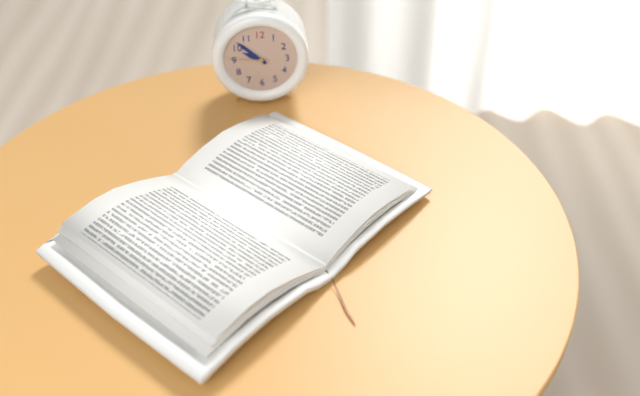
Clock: 9 h 52 min
